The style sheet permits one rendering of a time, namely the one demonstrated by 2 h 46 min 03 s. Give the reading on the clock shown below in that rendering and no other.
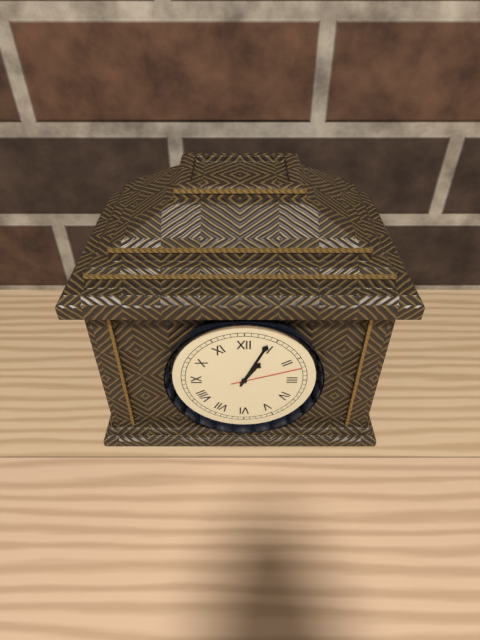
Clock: 1 h 04 min 12 s
